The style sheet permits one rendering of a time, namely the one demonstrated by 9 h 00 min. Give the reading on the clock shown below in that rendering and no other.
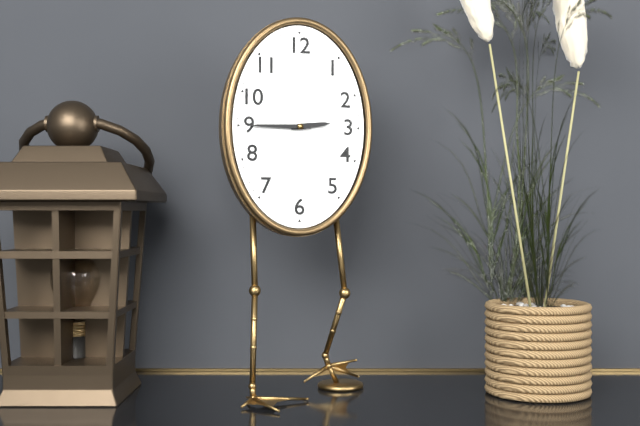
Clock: 2 h 45 min
